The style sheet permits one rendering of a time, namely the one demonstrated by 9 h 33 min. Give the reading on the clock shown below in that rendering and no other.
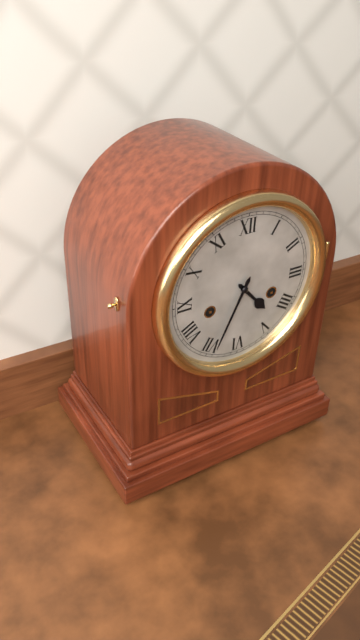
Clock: 4 h 34 min
